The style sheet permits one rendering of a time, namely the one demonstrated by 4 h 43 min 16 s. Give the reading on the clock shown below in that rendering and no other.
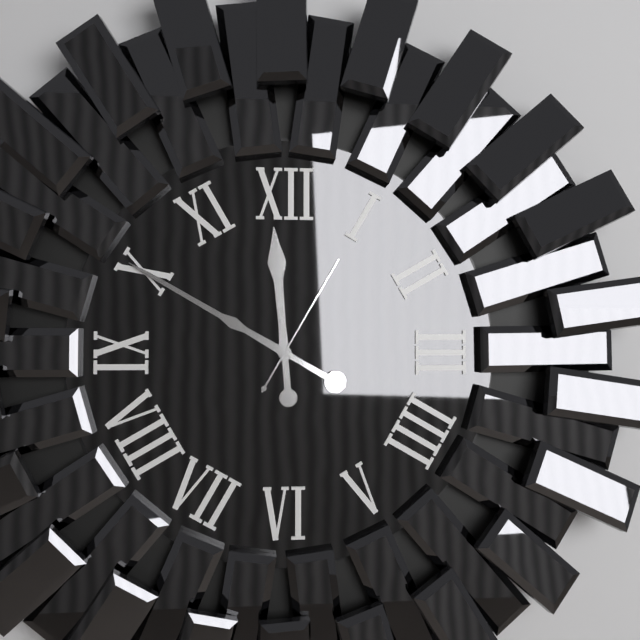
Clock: 11 h 50 min 05 s
